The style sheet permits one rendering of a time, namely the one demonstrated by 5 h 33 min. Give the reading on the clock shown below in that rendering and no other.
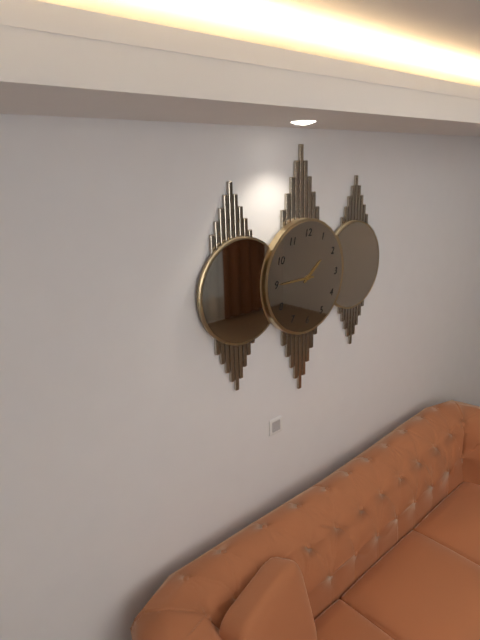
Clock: 1 h 45 min
